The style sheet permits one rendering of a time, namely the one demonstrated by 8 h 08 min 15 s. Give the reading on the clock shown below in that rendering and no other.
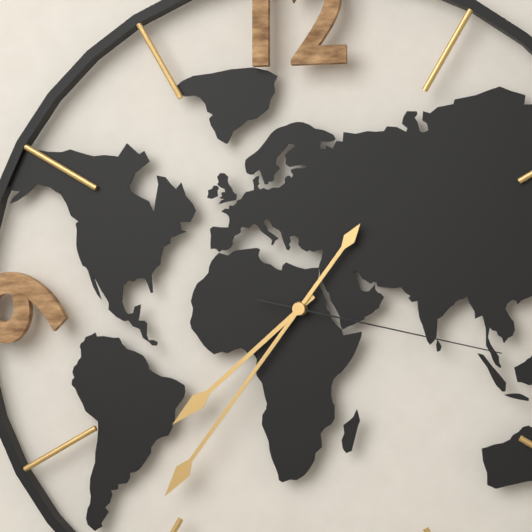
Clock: 7 h 36 min 17 s
